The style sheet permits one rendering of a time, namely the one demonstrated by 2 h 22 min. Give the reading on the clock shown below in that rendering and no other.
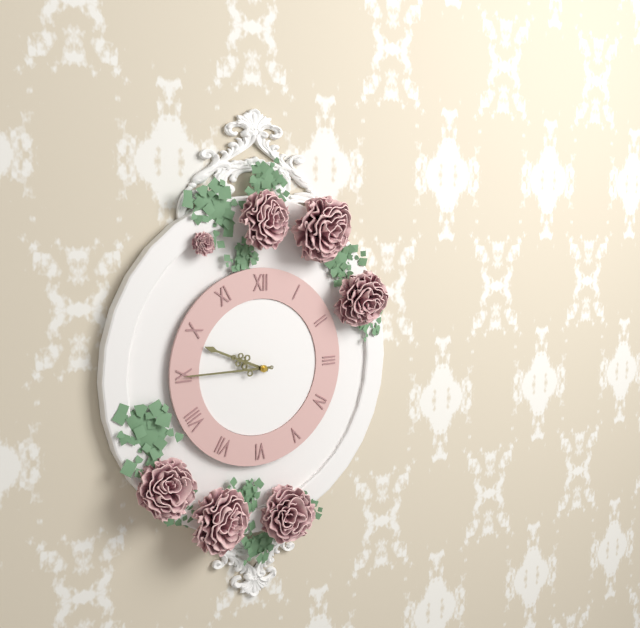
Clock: 9 h 45 min
